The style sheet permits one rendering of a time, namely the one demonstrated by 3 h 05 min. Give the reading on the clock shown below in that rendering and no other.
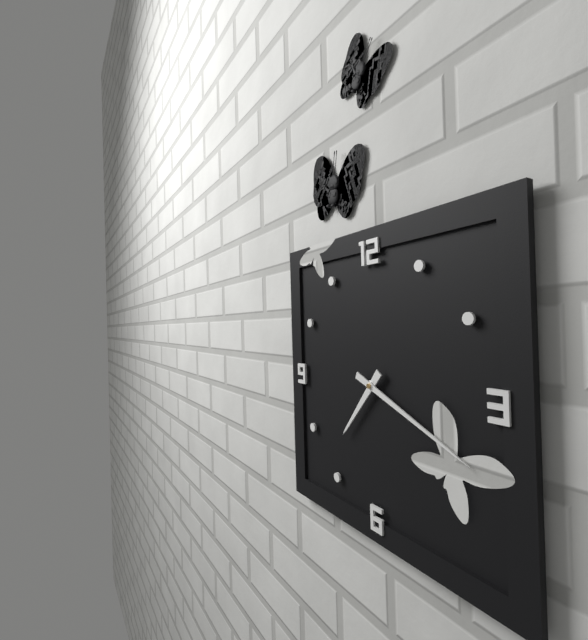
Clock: 7 h 19 min
